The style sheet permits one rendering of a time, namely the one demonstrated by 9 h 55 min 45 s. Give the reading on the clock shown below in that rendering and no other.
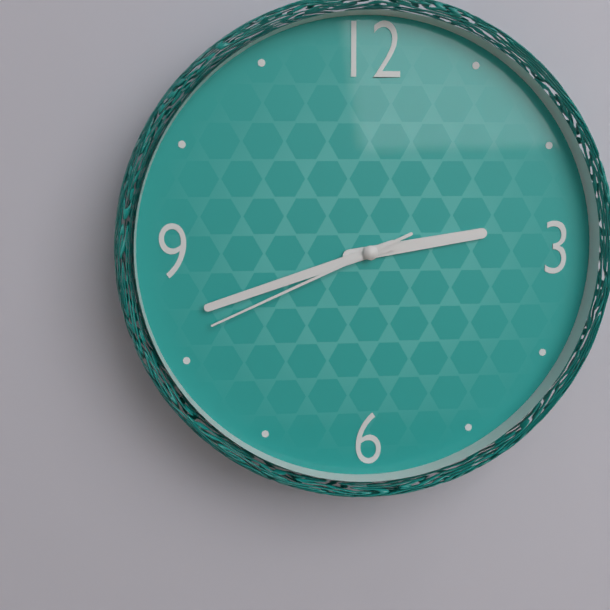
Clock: 2 h 42 min 41 s
